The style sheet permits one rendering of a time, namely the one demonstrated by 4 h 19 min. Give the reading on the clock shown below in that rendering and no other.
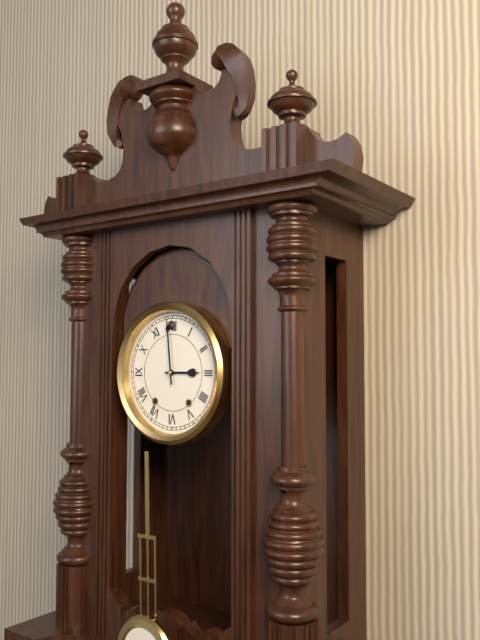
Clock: 2 h 59 min
